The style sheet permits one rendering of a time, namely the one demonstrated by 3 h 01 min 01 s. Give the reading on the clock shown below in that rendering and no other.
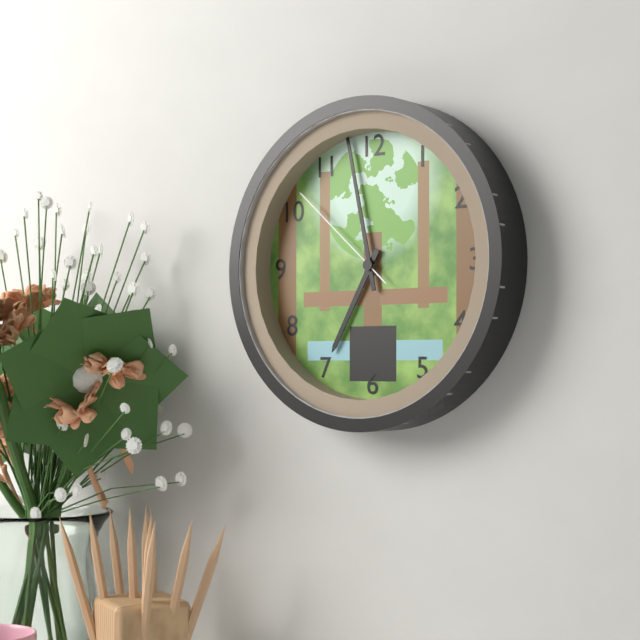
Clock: 6 h 58 min 52 s
